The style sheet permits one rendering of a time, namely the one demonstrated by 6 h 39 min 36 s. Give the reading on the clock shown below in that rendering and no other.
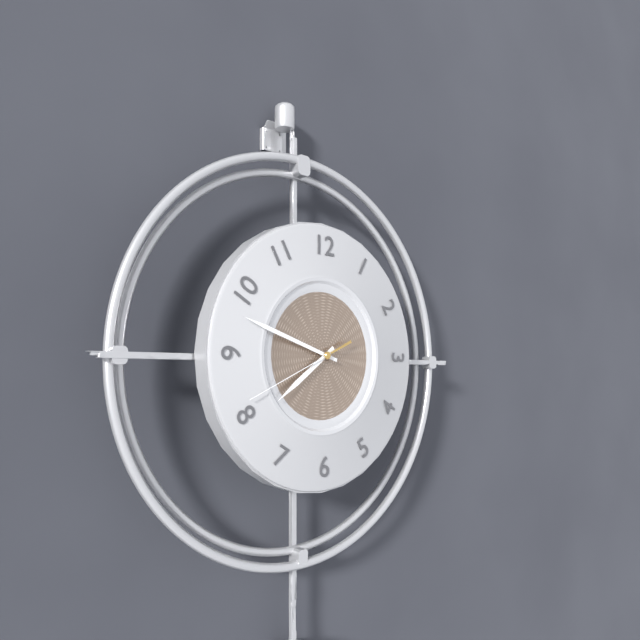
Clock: 7 h 48 min 41 s
